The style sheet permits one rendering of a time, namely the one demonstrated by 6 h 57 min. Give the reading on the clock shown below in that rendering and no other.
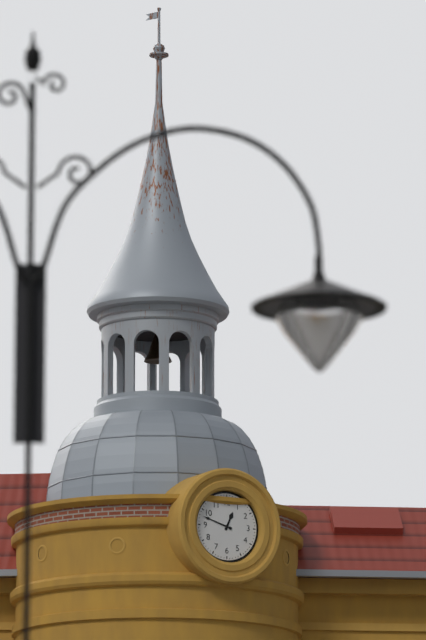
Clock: 12 h 48 min
